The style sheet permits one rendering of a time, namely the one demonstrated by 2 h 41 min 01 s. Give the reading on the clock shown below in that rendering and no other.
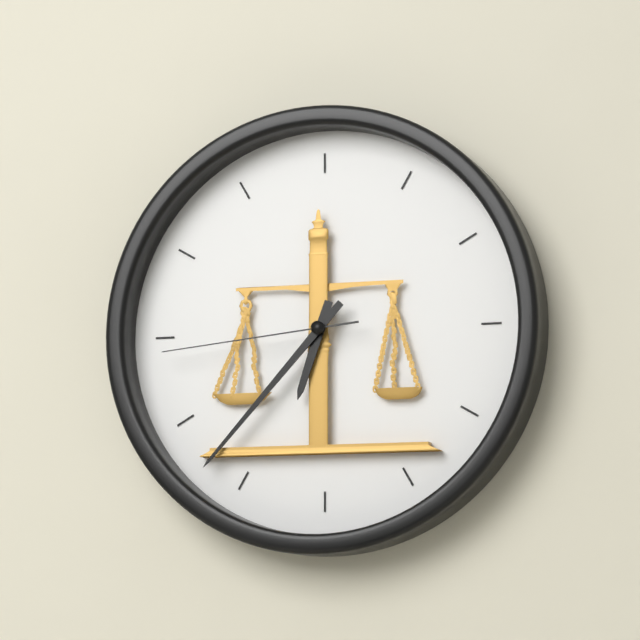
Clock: 6 h 37 min 44 s
